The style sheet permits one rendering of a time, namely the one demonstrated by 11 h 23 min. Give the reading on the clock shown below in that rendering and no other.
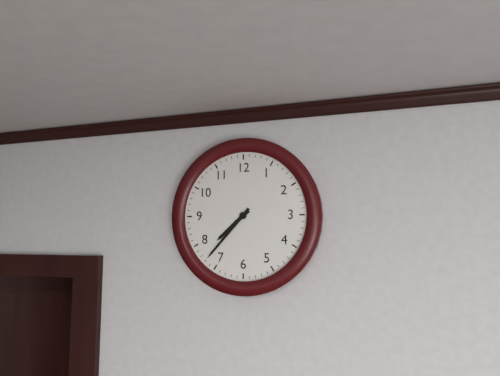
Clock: 7 h 37 min
